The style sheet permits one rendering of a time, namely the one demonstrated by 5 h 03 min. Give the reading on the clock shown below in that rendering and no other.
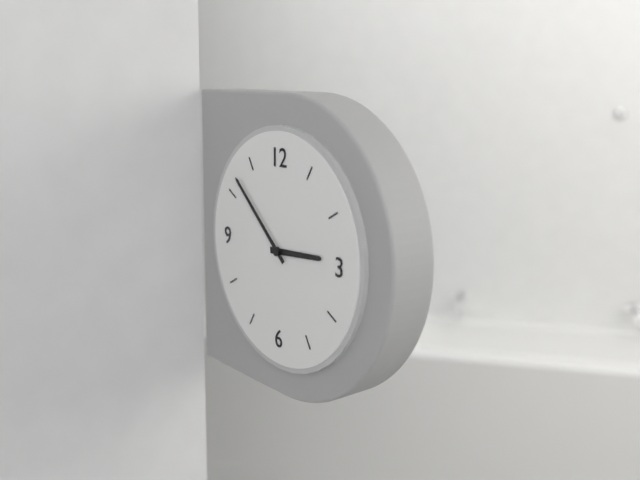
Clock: 2 h 52 min
